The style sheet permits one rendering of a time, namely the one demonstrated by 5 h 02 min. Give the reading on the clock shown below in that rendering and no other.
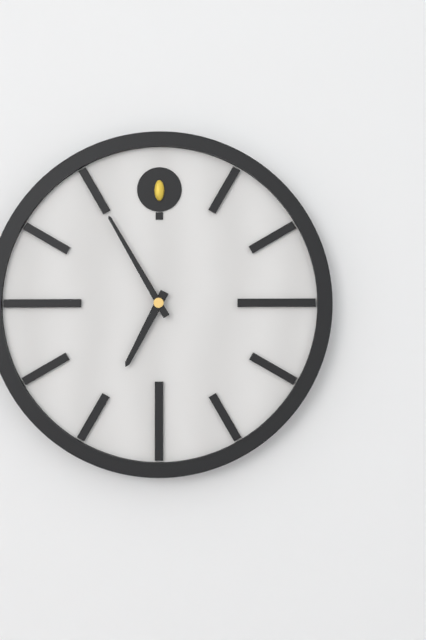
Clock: 6 h 55 min
